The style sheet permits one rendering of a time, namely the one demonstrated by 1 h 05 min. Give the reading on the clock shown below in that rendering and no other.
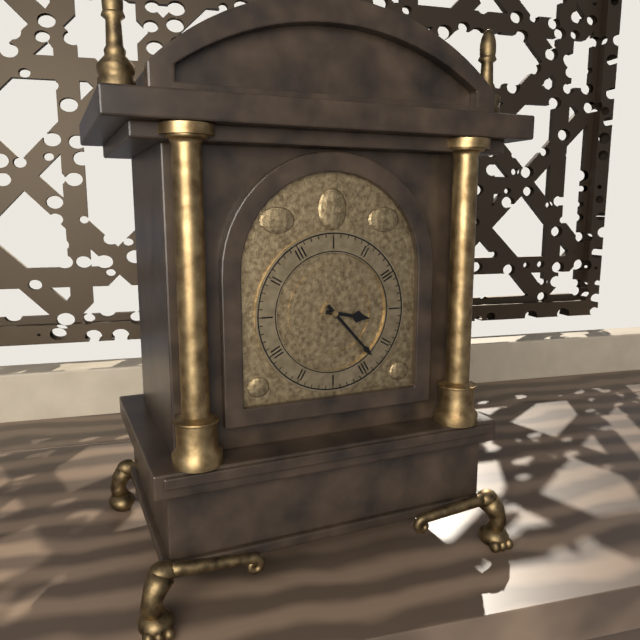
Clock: 3 h 23 min
